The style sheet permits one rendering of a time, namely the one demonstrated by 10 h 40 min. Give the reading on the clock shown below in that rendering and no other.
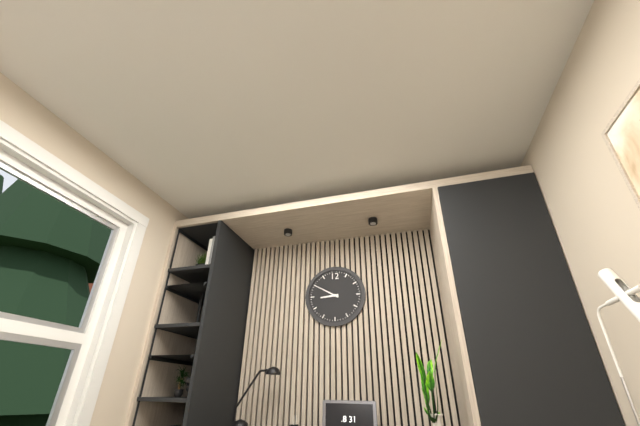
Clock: 8 h 50 min
